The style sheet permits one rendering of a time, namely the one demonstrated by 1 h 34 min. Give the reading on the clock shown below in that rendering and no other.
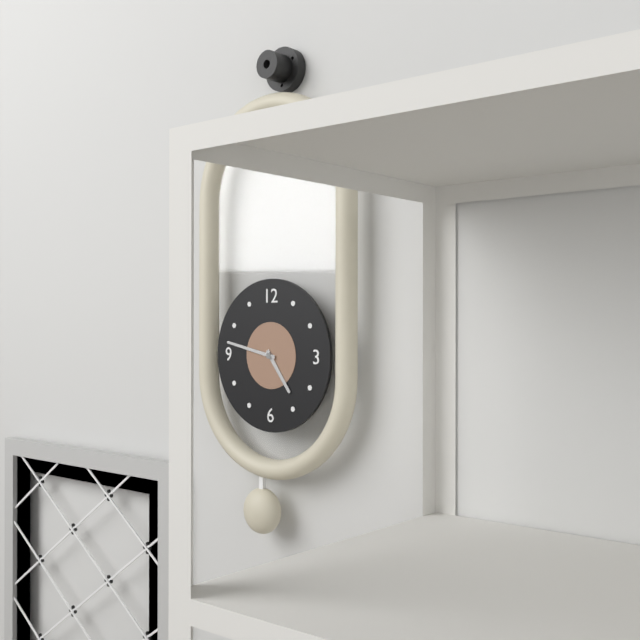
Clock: 4 h 47 min
